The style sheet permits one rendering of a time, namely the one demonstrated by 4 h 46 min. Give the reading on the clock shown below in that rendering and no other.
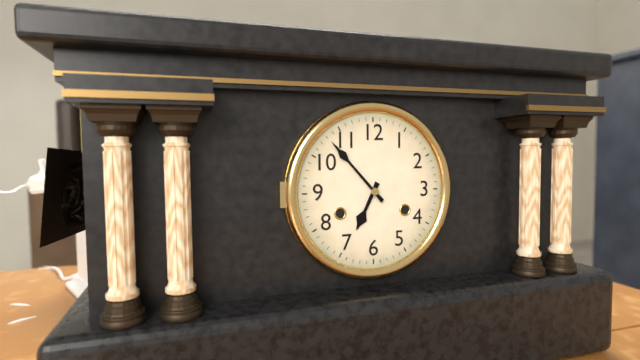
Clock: 6 h 53 min
